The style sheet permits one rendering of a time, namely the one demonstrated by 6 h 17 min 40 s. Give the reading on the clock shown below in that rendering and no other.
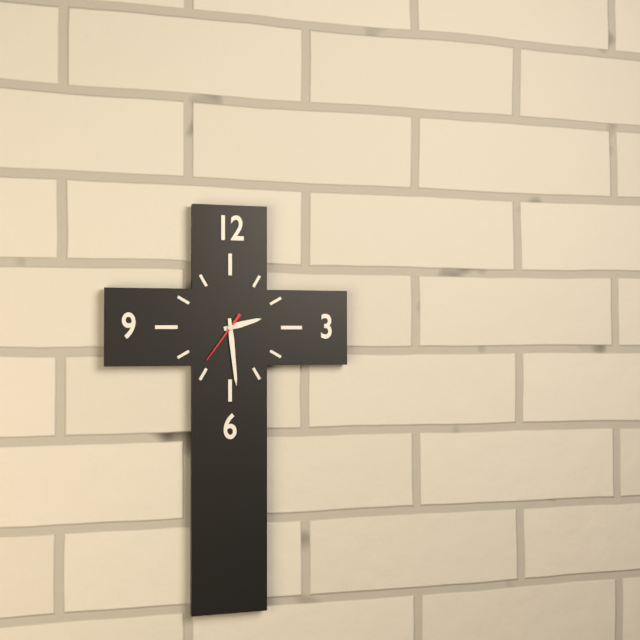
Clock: 2 h 29 min 36 s
